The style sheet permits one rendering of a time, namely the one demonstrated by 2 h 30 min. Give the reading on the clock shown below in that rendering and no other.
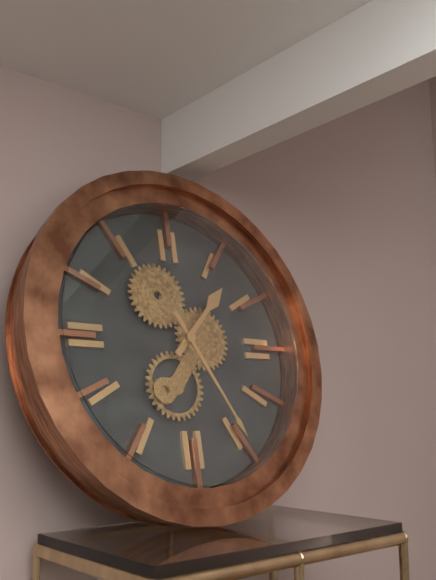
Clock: 1 h 25 min
